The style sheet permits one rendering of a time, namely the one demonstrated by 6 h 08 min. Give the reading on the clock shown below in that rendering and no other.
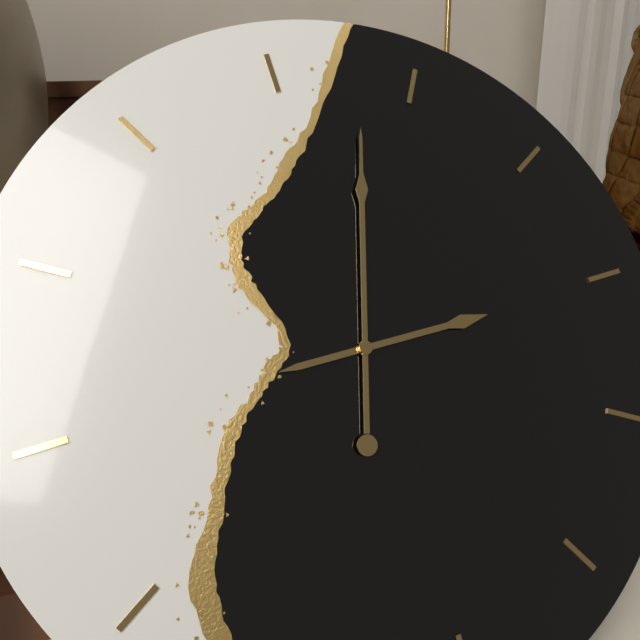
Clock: 3 h 03 min
